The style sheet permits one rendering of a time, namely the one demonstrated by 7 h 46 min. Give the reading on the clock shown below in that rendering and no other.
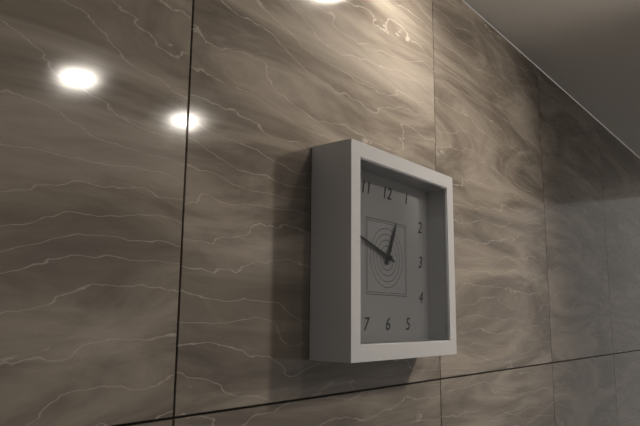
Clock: 12 h 48 min
